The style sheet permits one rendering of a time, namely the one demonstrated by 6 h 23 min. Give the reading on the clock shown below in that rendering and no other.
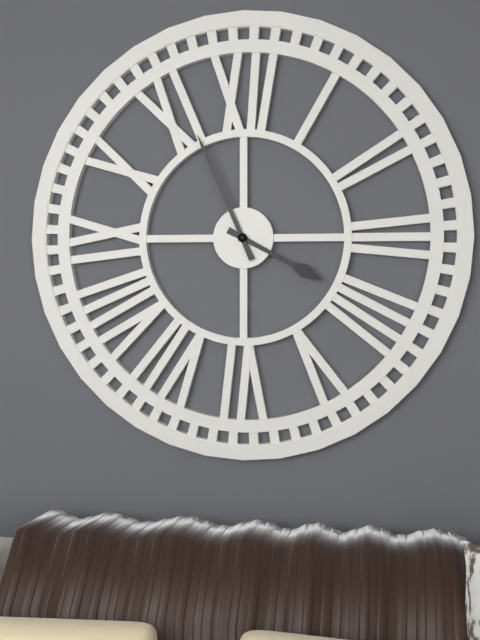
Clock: 3 h 56 min
